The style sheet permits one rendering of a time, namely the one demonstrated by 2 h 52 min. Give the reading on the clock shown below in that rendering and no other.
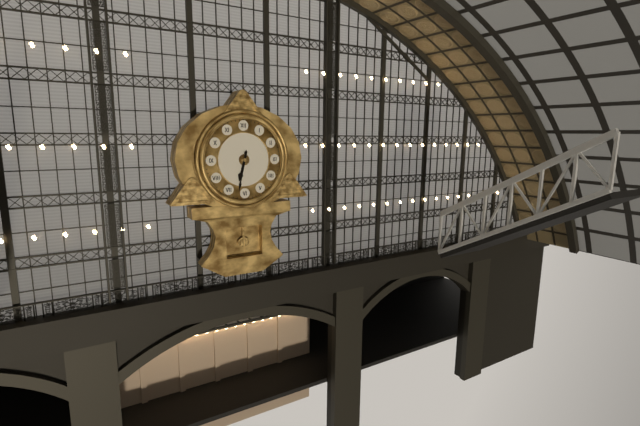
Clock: 6 h 32 min
